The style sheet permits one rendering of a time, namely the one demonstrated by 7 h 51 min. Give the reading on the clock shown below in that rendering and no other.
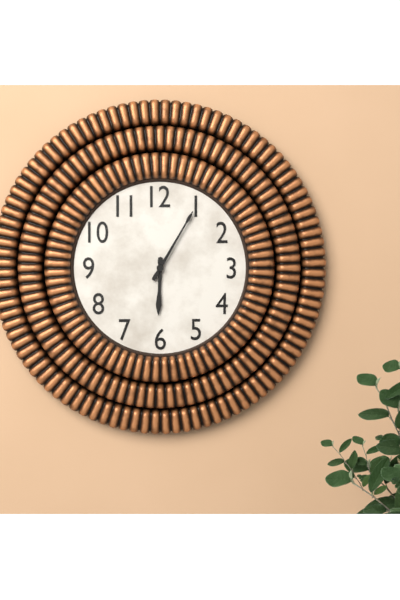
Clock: 6 h 05 min
